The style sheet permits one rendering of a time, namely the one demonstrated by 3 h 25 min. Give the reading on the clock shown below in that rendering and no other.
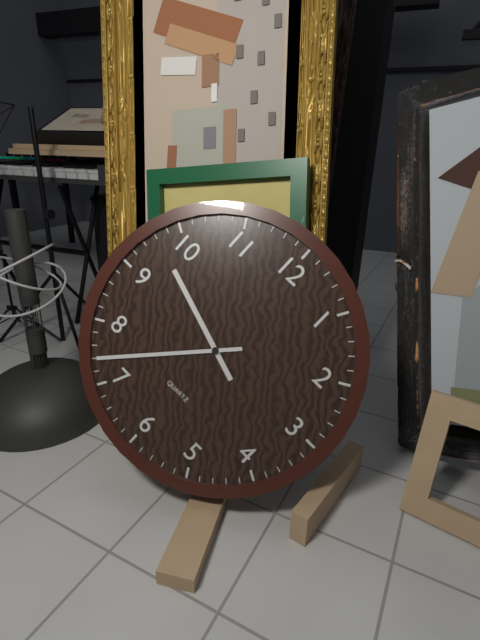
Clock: 9 h 37 min
